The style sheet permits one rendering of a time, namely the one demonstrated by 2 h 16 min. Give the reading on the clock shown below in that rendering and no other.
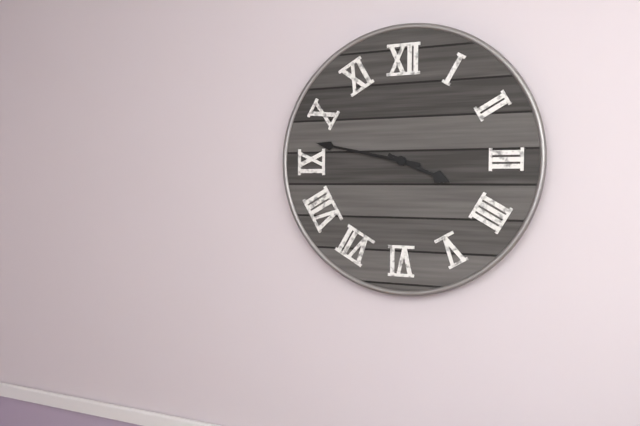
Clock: 3 h 47 min
